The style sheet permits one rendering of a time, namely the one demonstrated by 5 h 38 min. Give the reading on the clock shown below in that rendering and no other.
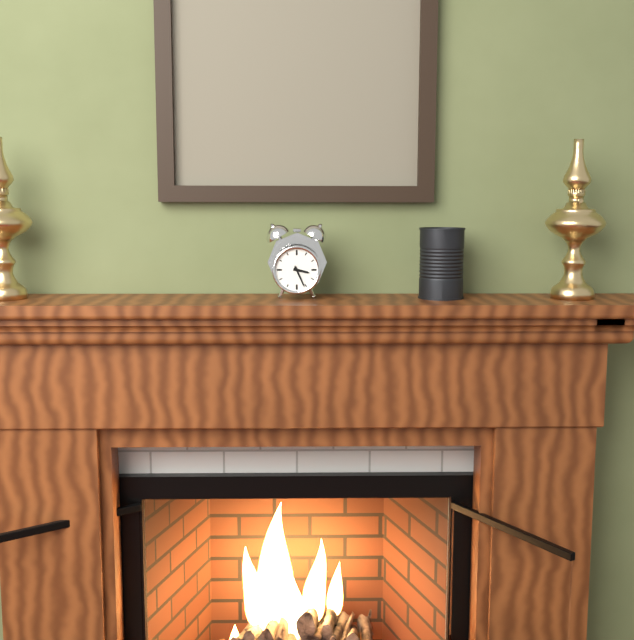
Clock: 3 h 26 min
